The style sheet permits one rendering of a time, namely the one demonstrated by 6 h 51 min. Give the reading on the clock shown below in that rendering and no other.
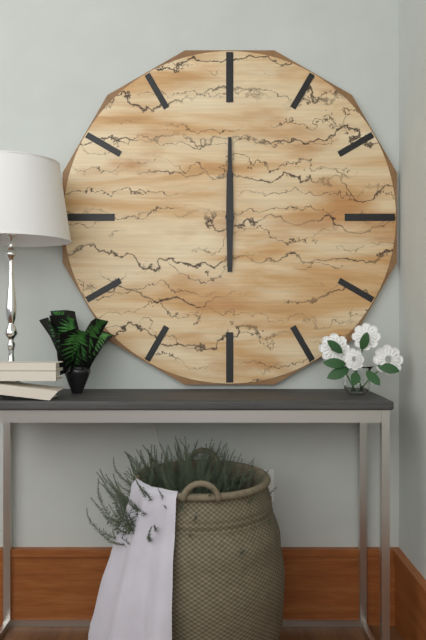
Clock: 6 h 00 min
